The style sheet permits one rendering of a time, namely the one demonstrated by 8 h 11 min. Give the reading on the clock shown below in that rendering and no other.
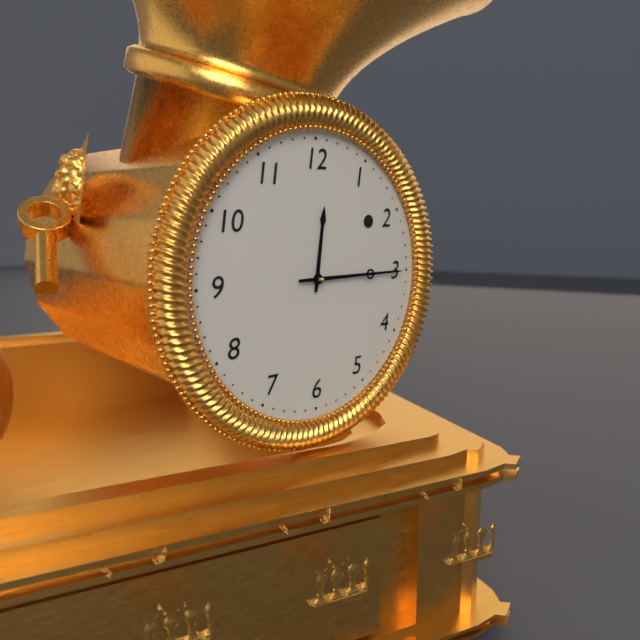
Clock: 12 h 15 min
